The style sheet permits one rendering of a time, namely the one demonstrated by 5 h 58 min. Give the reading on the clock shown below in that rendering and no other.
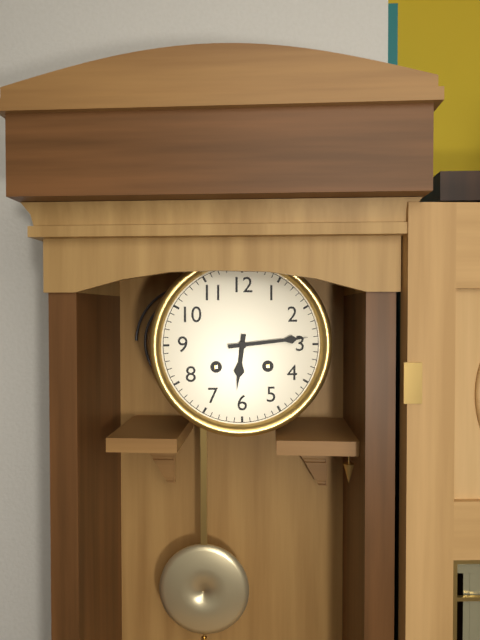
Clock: 6 h 14 min
